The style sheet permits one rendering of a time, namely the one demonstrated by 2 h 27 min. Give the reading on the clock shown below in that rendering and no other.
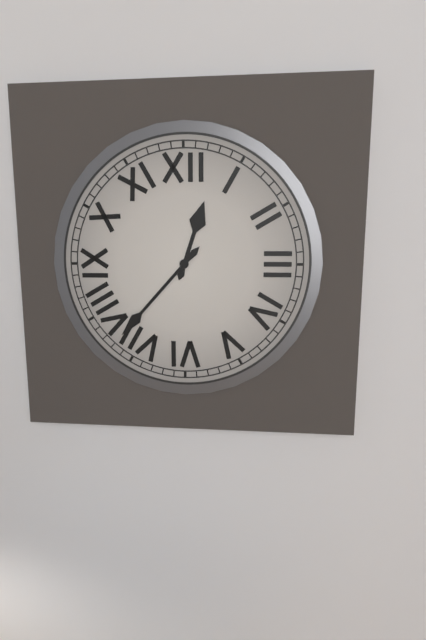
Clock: 12 h 37 min
